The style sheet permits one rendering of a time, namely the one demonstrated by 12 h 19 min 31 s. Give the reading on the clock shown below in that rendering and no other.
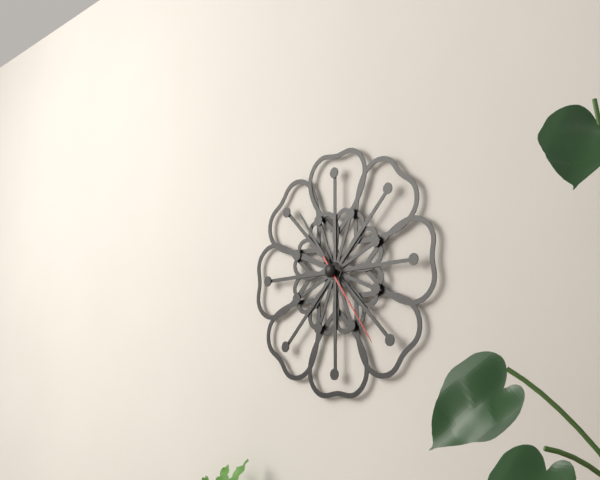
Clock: 9 h 54 min 24 s
